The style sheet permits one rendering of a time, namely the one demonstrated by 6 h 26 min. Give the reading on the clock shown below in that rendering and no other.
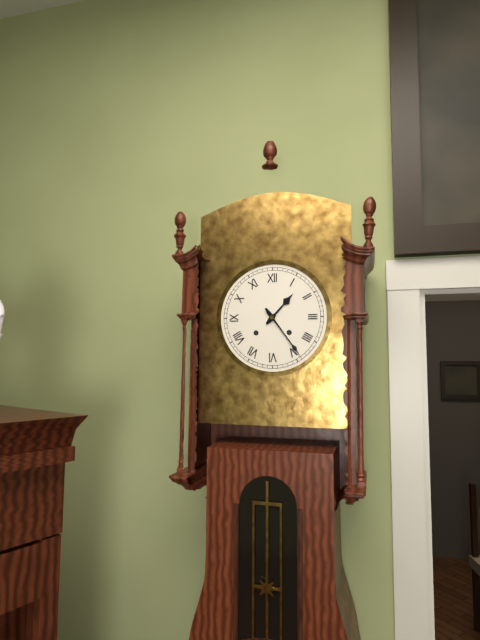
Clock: 1 h 24 min
